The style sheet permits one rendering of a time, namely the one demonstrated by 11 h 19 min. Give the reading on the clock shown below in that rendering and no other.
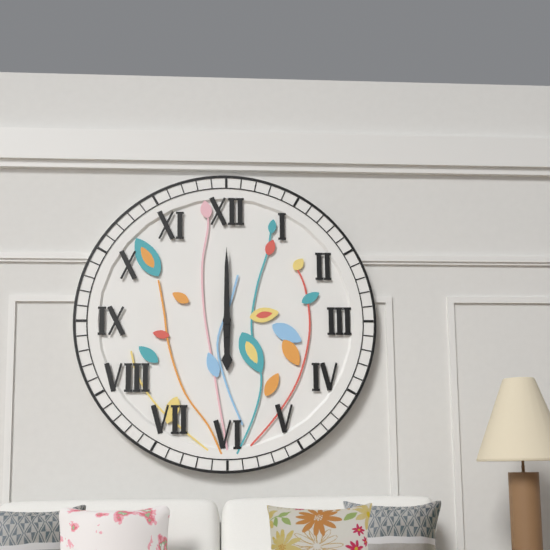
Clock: 6 h 00 min
